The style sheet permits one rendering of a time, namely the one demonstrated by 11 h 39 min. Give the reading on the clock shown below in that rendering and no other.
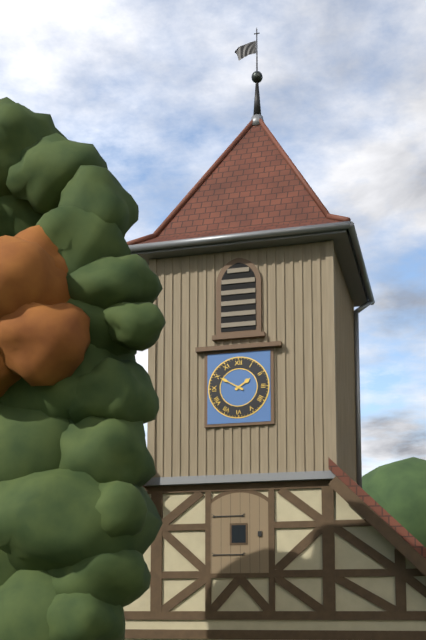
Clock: 1 h 50 min
